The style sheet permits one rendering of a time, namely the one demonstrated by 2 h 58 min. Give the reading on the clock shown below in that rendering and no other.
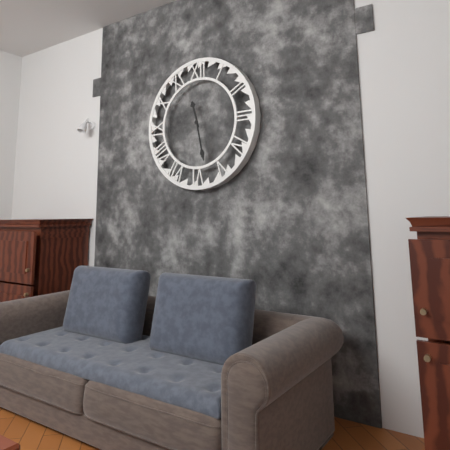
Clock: 11 h 28 min
